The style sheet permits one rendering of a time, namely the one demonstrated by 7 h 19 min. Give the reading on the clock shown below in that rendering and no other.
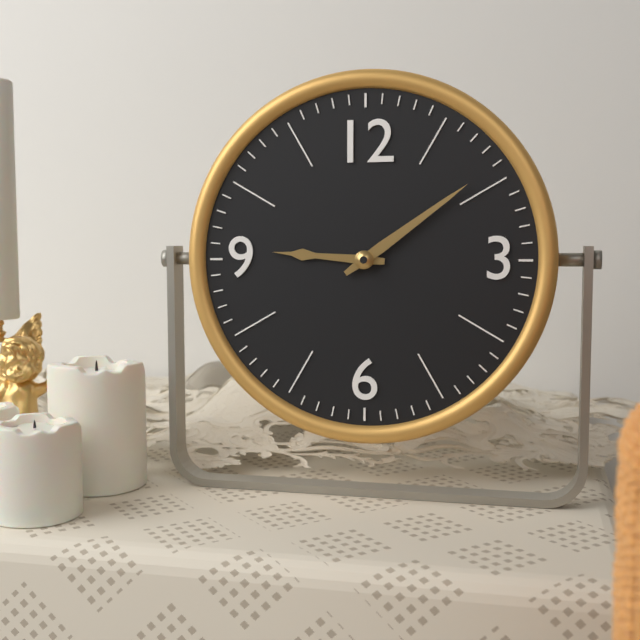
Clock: 9 h 09 min
